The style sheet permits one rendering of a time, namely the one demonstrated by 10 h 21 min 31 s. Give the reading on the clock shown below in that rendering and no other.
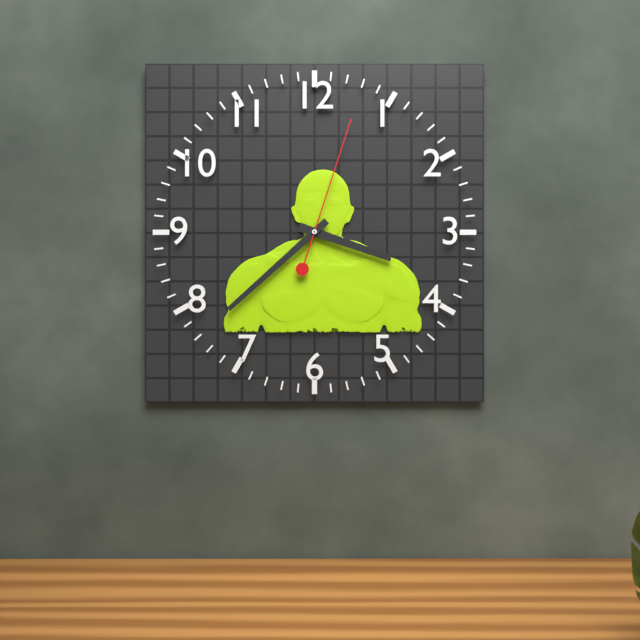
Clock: 3 h 38 min 03 s
